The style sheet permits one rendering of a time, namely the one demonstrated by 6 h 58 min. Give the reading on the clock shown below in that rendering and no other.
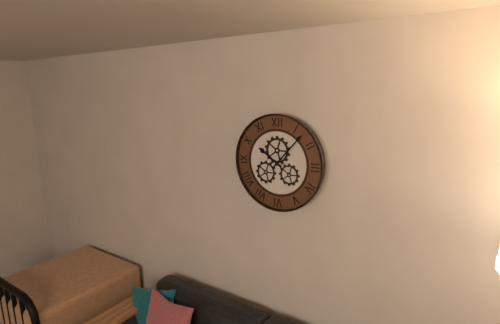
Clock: 10 h 07 min
